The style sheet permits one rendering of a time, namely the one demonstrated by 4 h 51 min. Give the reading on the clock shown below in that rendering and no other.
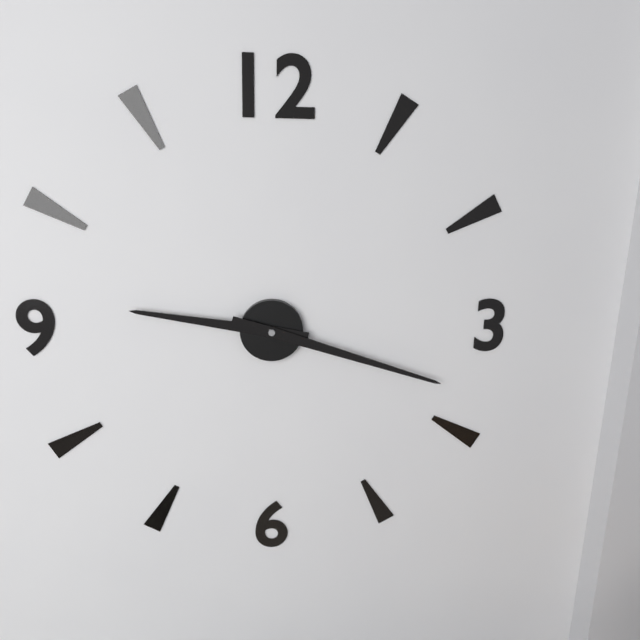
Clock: 9 h 18 min
